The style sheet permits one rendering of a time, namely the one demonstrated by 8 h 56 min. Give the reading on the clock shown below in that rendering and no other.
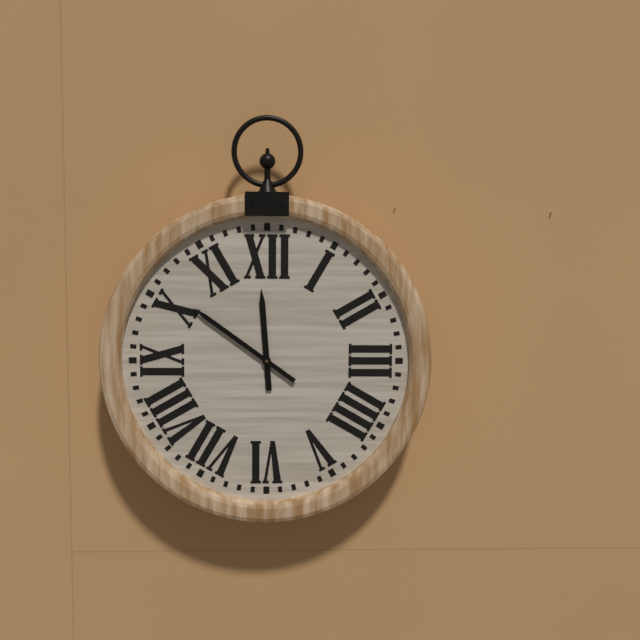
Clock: 11 h 51 min
